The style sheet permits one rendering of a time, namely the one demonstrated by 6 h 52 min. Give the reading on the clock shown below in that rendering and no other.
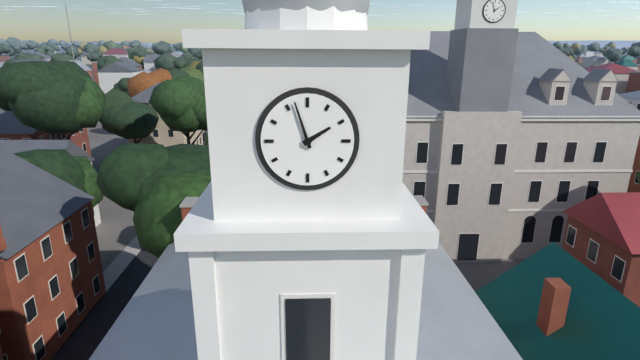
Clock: 1 h 57 min
